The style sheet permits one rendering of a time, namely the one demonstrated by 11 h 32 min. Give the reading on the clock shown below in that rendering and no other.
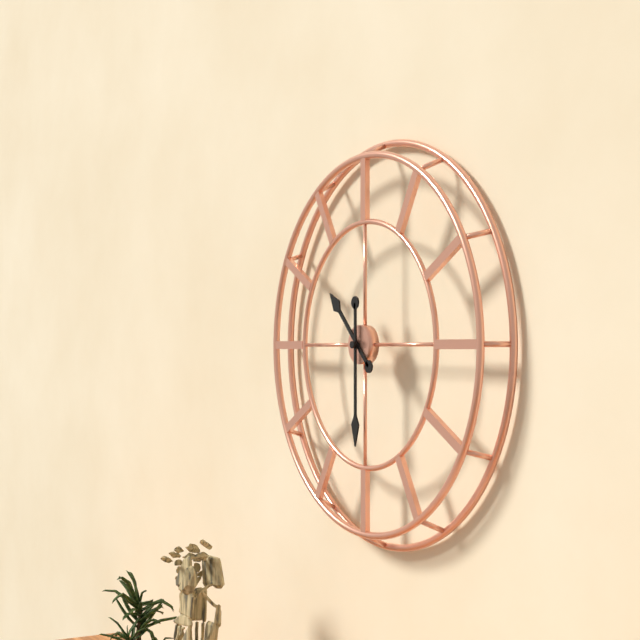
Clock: 10 h 30 min
